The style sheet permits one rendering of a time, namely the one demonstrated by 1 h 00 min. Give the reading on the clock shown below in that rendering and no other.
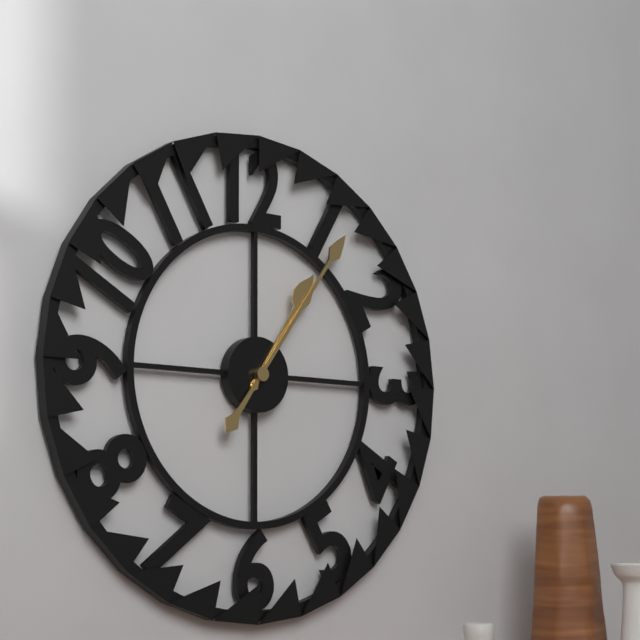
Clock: 1 h 06 min
